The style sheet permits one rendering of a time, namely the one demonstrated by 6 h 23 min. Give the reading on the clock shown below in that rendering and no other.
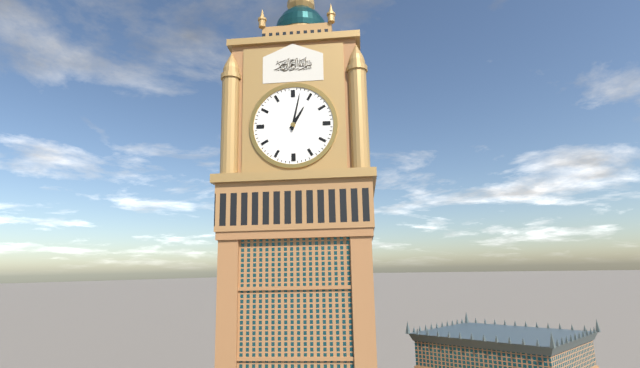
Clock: 1 h 02 min
